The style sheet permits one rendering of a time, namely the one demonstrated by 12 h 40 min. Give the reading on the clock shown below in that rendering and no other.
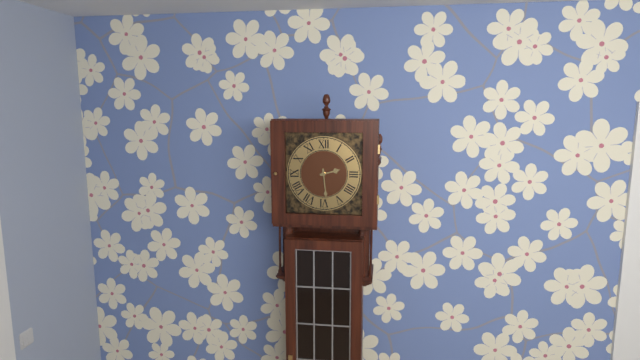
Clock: 2 h 29 min
